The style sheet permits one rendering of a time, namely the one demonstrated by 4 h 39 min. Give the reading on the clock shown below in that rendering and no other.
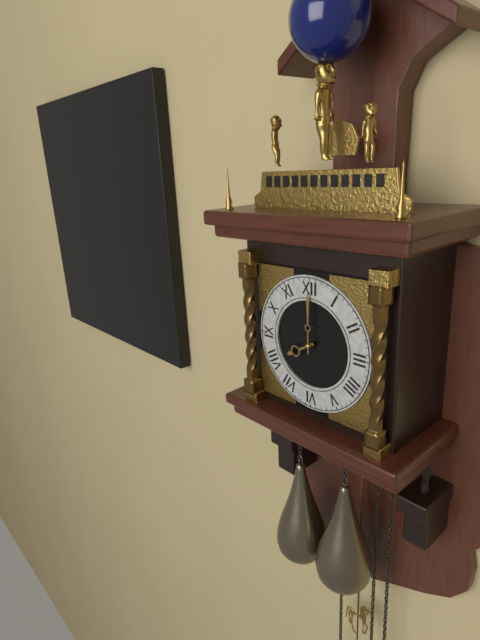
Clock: 8 h 00 min
